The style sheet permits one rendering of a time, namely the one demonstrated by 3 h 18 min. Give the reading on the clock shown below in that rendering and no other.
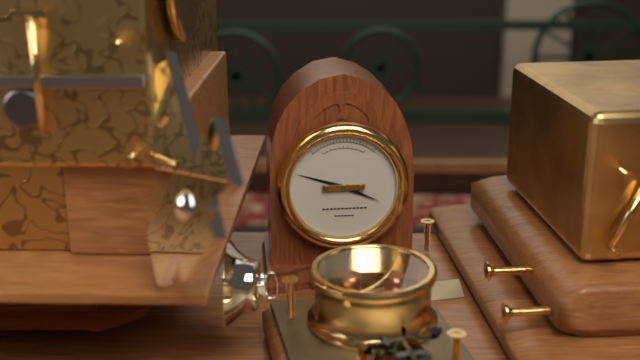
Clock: 3 h 48 min
